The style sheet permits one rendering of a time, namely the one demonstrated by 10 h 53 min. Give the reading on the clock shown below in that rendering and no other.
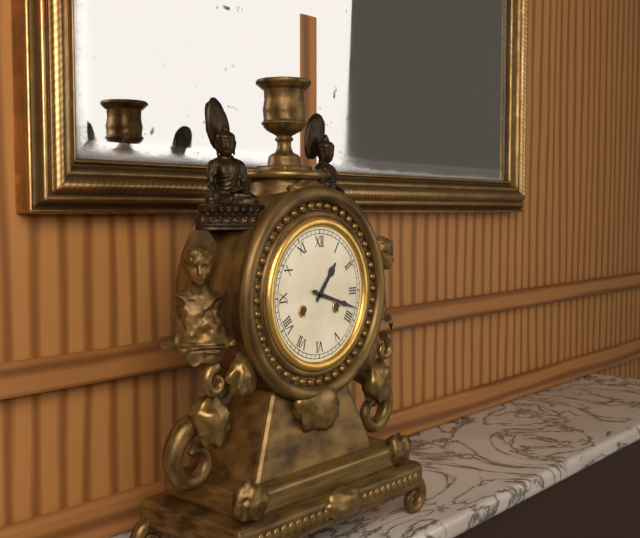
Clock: 1 h 18 min
